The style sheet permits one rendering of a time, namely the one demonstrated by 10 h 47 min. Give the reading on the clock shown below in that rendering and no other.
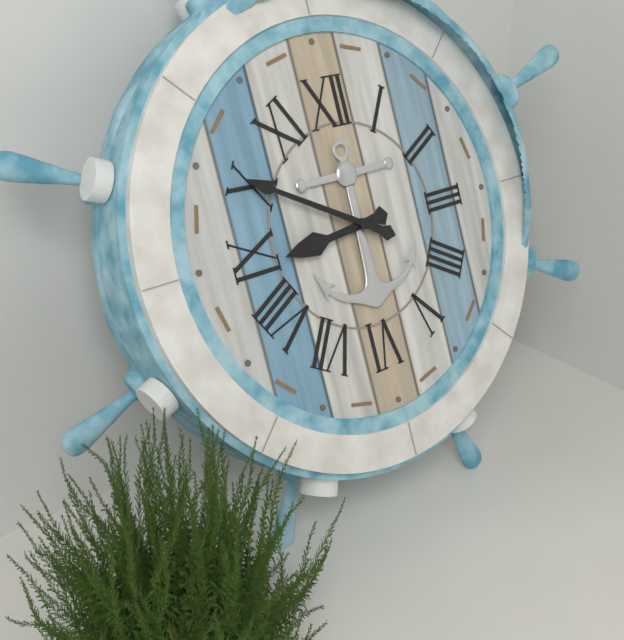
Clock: 8 h 50 min
